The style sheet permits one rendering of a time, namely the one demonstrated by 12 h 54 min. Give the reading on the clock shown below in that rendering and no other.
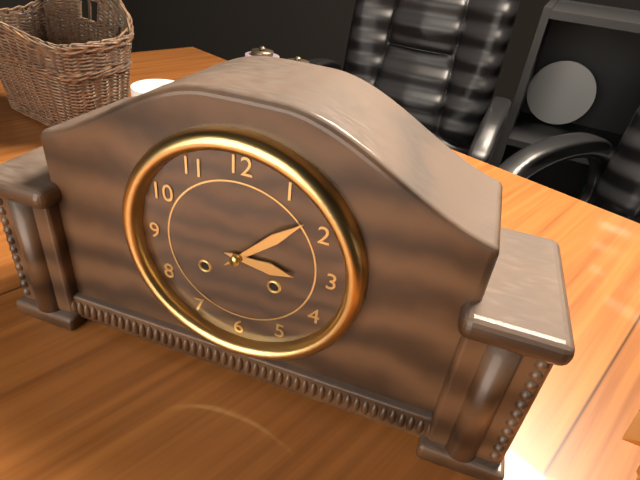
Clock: 3 h 08 min
